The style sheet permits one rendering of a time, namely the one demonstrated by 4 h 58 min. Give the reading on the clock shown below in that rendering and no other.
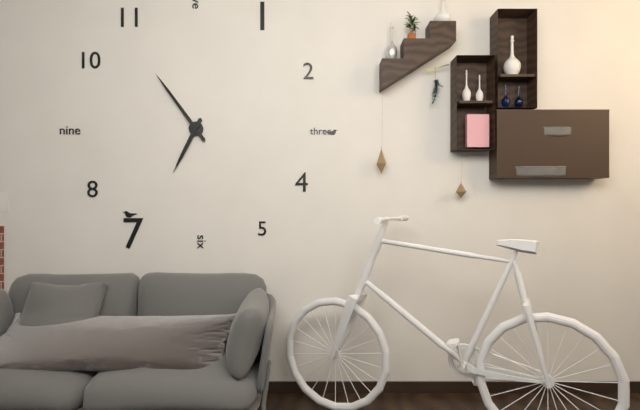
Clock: 6 h 54 min
